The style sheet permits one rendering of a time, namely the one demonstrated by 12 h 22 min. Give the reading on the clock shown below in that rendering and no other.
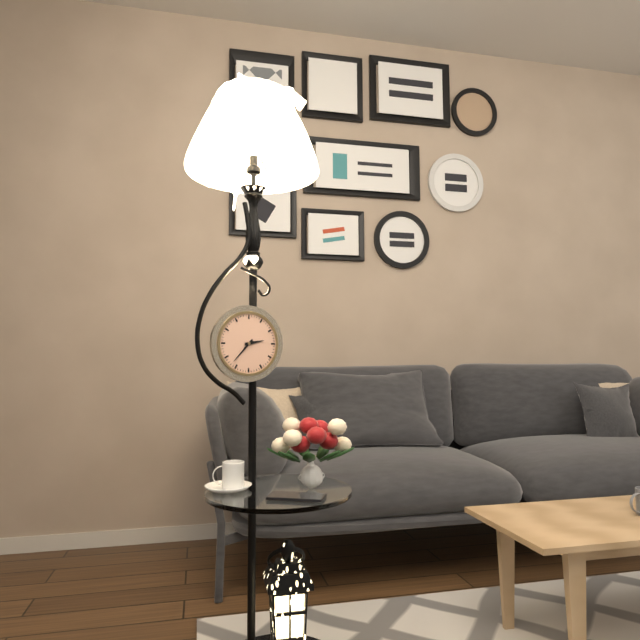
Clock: 2 h 37 min
